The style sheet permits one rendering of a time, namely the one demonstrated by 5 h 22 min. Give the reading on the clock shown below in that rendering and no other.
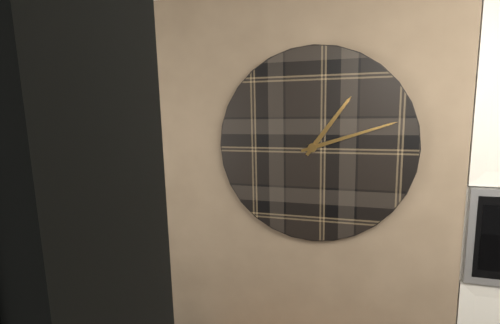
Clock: 1 h 12 min
